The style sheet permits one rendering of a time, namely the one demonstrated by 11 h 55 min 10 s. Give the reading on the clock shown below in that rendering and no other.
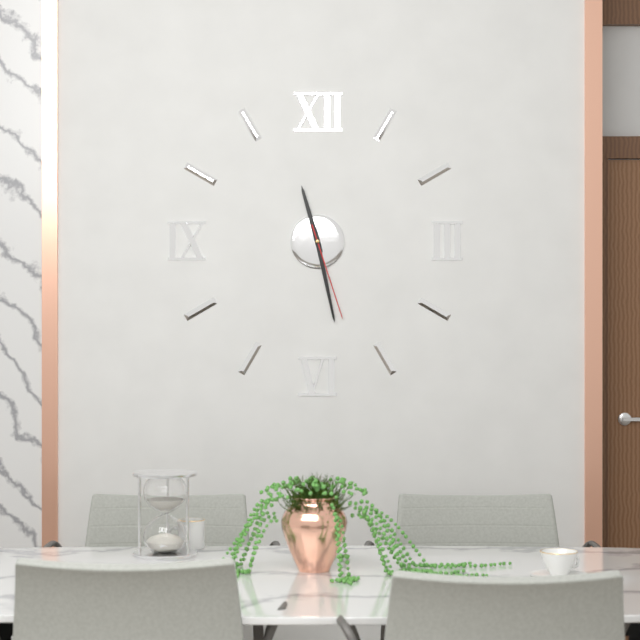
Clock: 11 h 28 min 27 s
